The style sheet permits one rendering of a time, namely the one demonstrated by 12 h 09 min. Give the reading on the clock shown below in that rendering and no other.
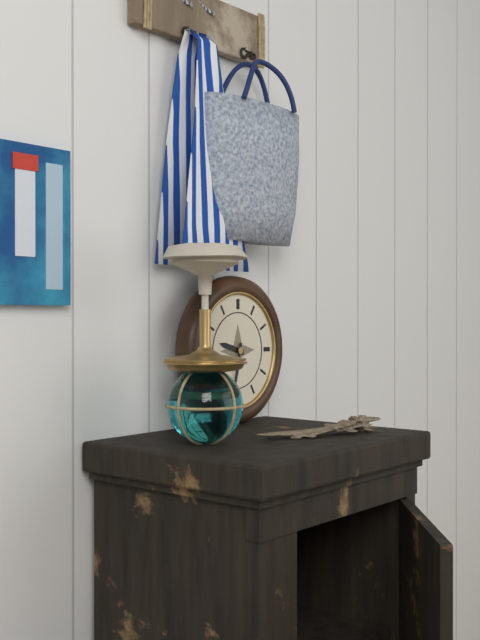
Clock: 9 h 32 min
